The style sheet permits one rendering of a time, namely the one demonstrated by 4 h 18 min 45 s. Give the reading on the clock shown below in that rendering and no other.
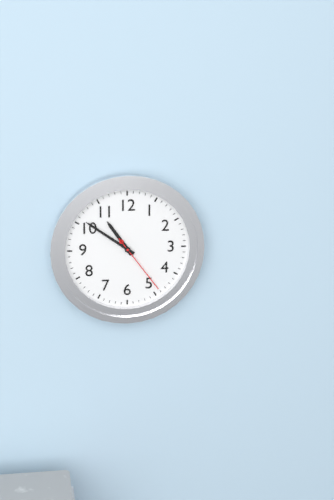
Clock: 10 h 51 min 24 s
